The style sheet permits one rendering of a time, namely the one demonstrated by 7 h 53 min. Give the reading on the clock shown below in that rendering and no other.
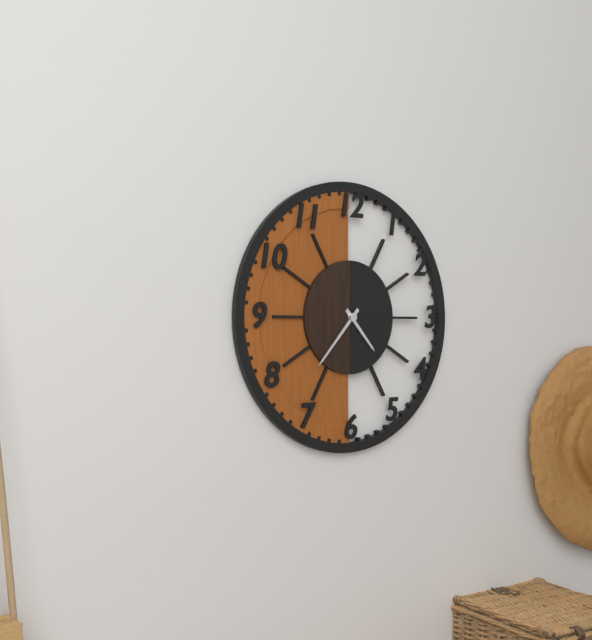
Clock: 4 h 37 min
